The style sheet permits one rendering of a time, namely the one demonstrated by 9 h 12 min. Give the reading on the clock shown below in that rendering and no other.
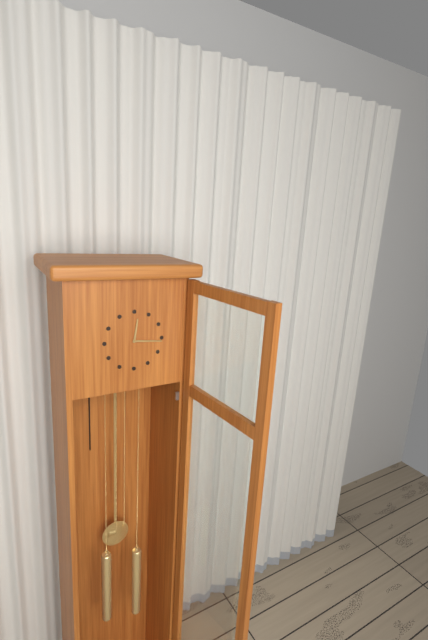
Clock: 12 h 16 min
